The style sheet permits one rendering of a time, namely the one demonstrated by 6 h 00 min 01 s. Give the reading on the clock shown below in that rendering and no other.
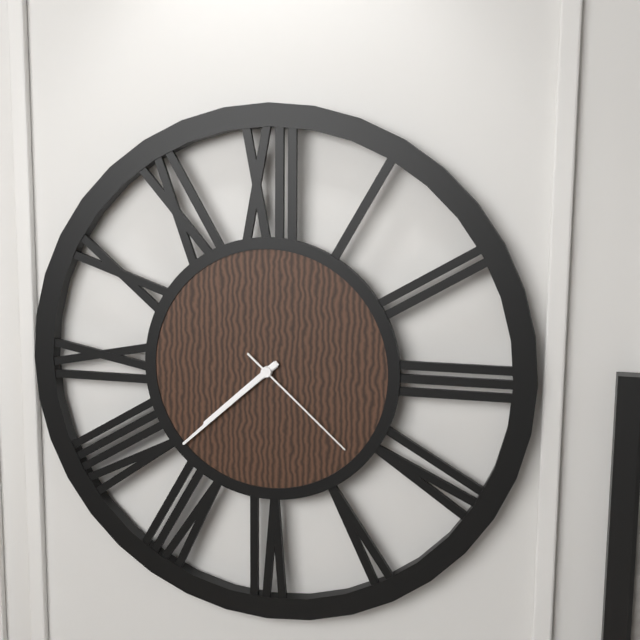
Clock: 7 h 38 min 22 s
